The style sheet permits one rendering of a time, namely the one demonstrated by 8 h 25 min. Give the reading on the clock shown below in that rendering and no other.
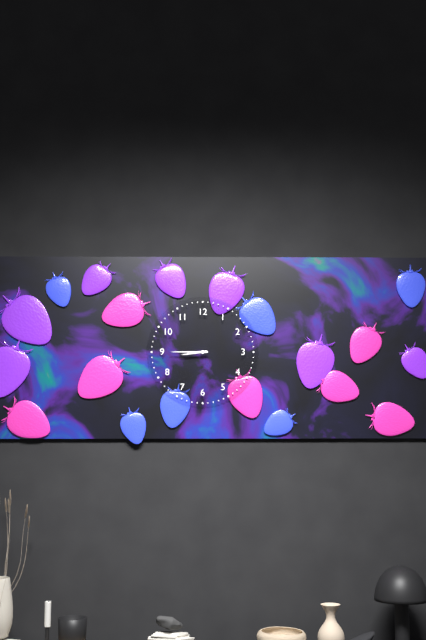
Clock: 8 h 45 min
